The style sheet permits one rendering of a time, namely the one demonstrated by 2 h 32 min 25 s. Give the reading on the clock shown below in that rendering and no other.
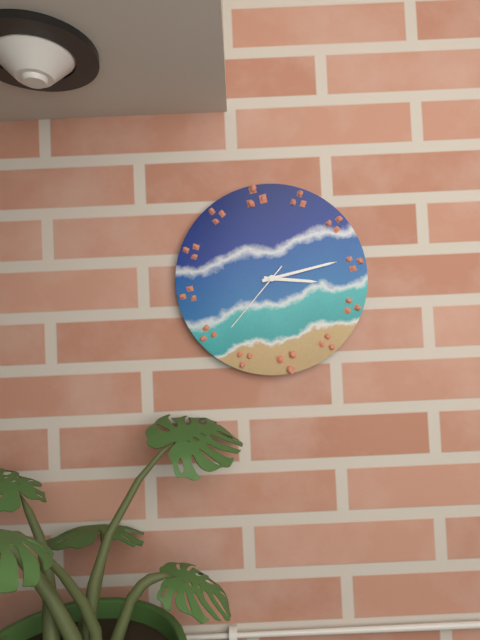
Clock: 3 h 13 min 37 s
